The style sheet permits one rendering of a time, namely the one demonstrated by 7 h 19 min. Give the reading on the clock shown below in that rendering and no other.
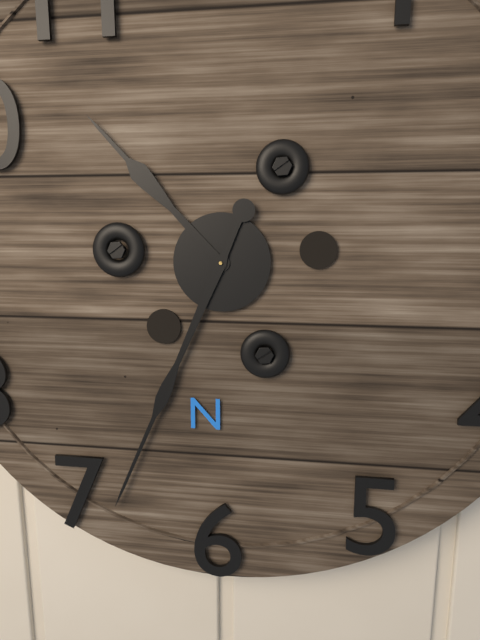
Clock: 10 h 34 min
